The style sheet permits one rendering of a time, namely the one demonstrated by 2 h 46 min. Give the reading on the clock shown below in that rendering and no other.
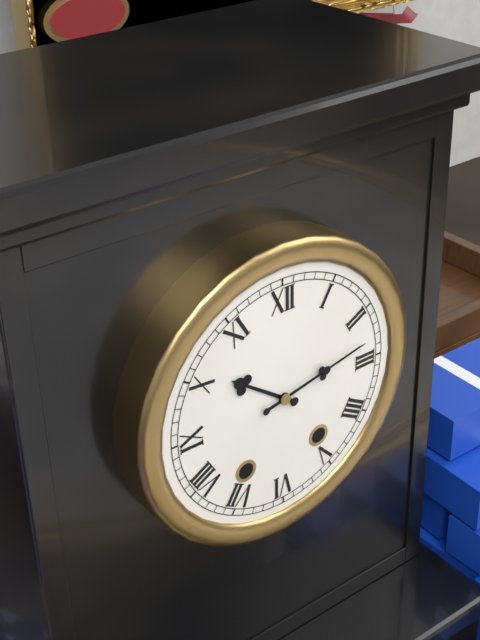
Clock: 10 h 13 min
